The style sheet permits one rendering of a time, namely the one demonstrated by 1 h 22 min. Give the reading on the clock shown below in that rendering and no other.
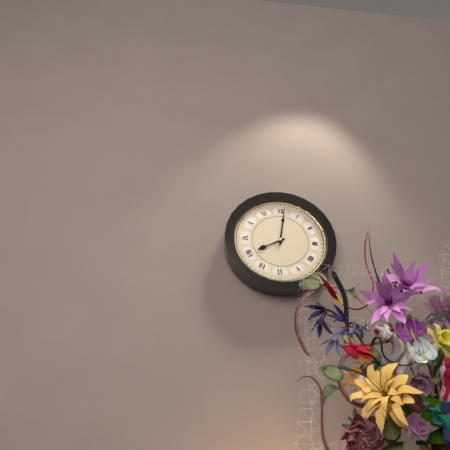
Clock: 8 h 01 min
